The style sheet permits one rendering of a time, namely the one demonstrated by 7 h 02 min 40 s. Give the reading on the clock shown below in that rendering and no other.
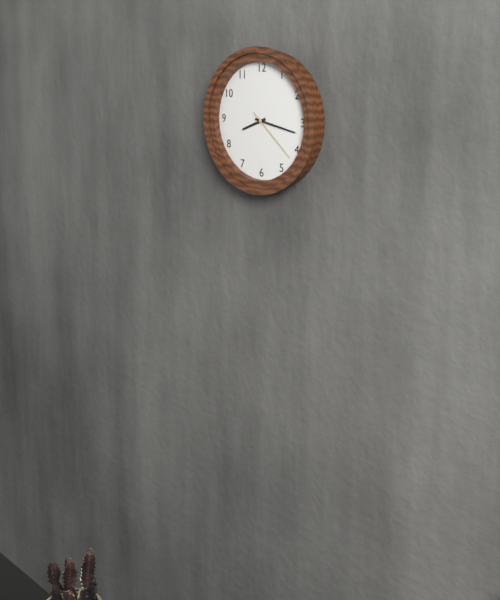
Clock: 8 h 17 min 22 s
